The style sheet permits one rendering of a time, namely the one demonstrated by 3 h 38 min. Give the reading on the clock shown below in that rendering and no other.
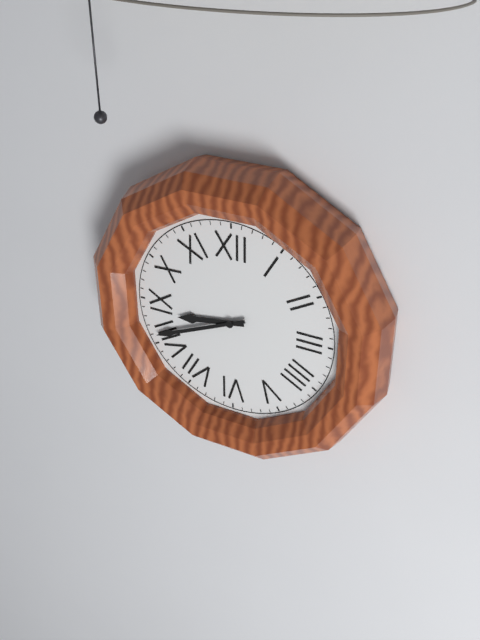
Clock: 8 h 41 min
